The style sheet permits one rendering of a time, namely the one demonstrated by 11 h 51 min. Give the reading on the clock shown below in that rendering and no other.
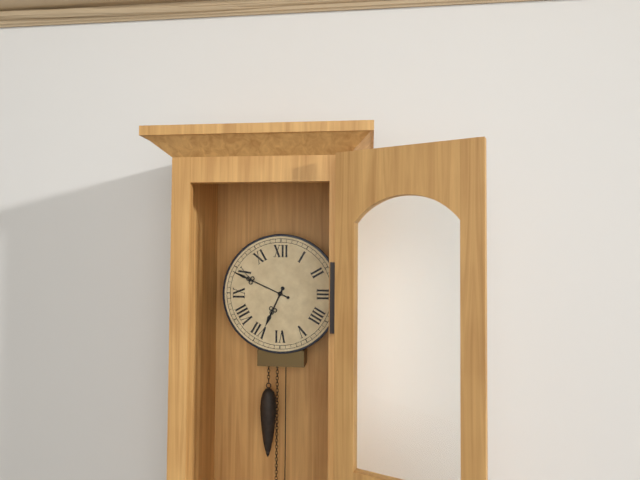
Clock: 6 h 49 min
